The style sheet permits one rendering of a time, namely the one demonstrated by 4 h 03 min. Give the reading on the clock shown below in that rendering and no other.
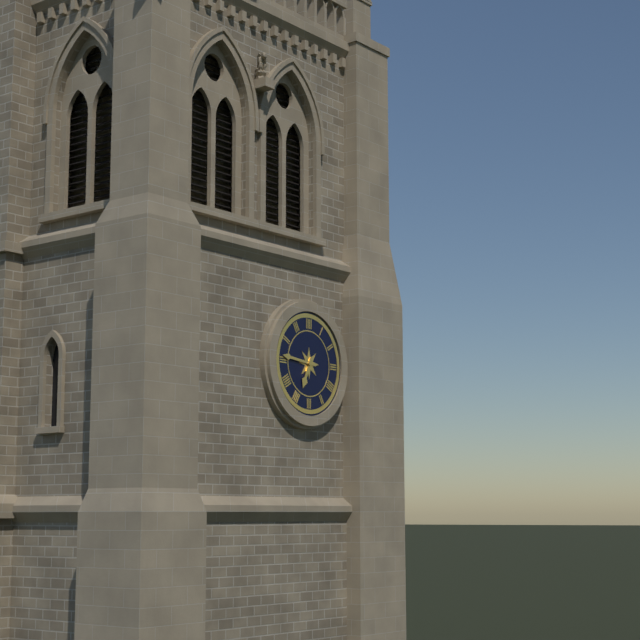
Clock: 6 h 46 min
